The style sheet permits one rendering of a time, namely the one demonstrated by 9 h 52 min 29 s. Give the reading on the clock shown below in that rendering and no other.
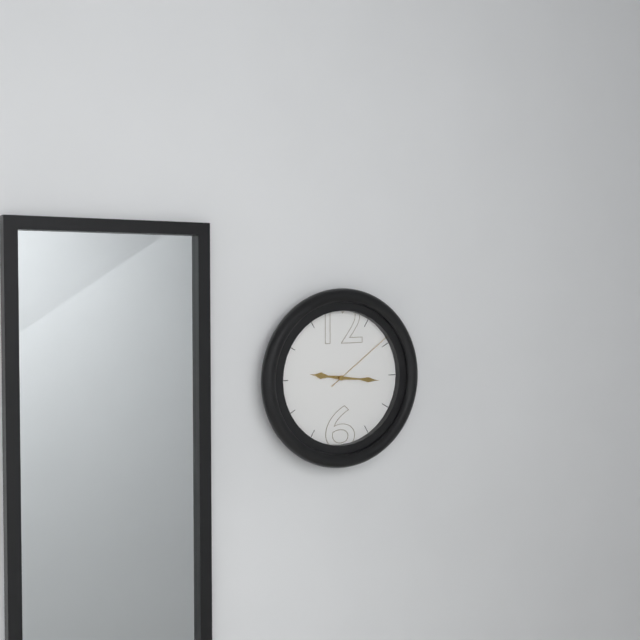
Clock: 9 h 16 min 09 s
